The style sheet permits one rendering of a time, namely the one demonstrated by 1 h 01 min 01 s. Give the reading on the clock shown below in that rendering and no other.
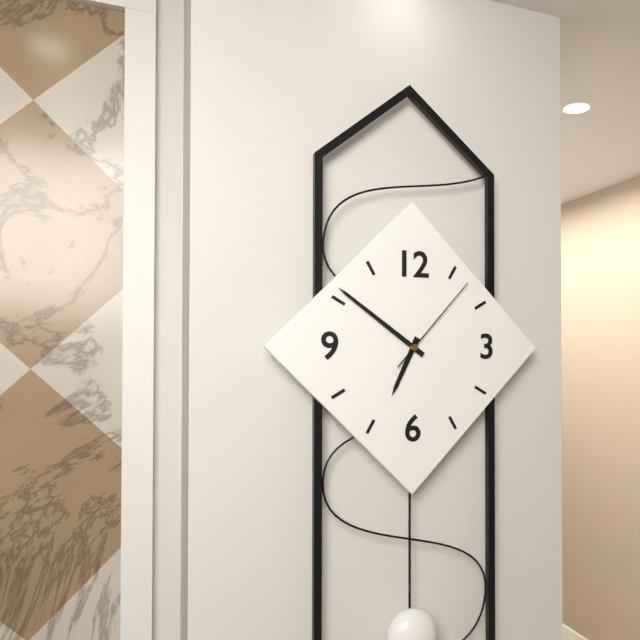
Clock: 6 h 51 min 07 s
